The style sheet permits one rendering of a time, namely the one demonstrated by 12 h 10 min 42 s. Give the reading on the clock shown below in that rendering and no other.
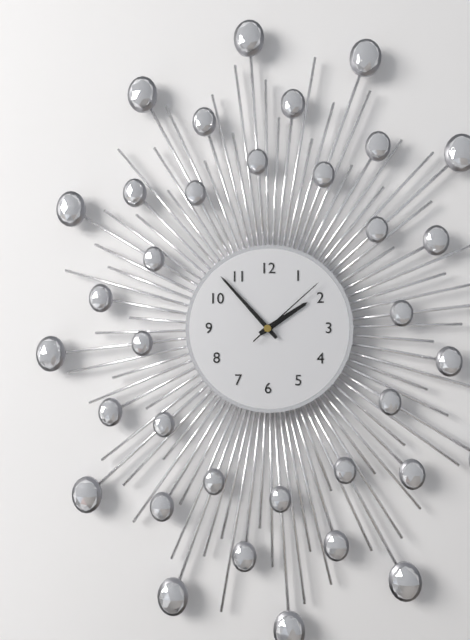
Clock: 1 h 53 min 08 s
